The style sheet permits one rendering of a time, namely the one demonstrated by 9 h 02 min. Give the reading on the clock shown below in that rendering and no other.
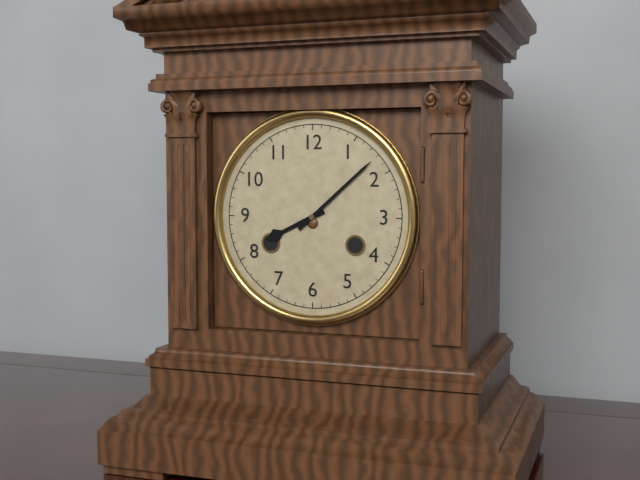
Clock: 8 h 08 min
